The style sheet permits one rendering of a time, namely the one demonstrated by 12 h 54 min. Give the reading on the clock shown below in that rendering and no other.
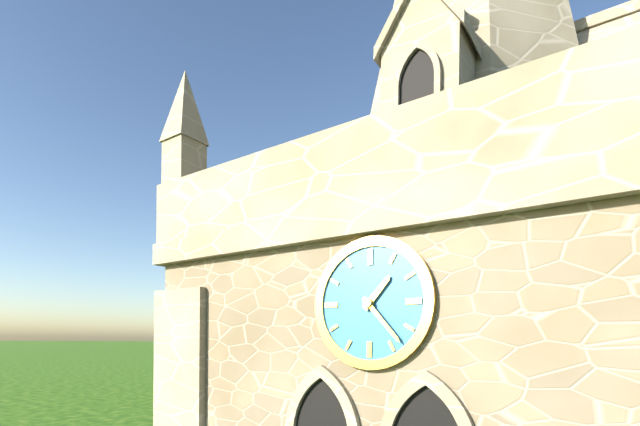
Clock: 1 h 23 min
